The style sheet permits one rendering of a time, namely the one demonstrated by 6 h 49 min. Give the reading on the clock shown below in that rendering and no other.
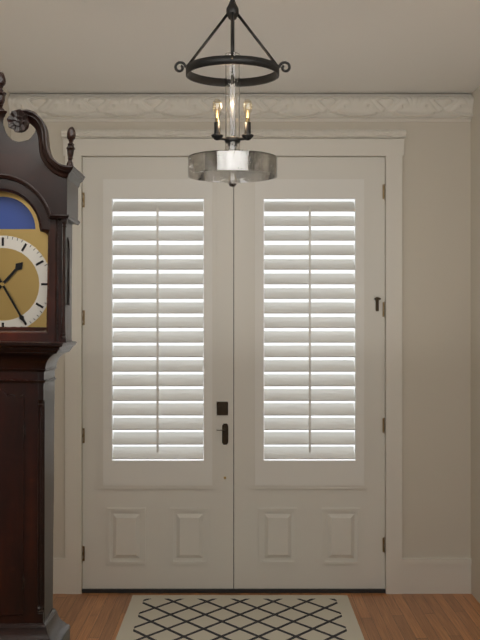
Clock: 1 h 25 min
